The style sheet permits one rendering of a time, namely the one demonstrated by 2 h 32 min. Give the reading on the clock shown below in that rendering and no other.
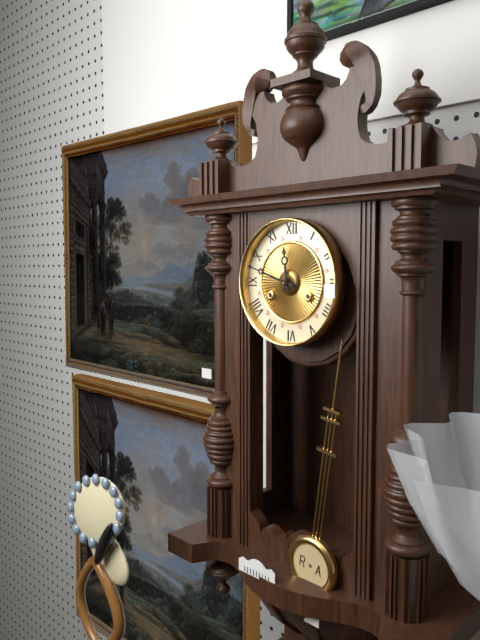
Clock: 11 h 48 min
